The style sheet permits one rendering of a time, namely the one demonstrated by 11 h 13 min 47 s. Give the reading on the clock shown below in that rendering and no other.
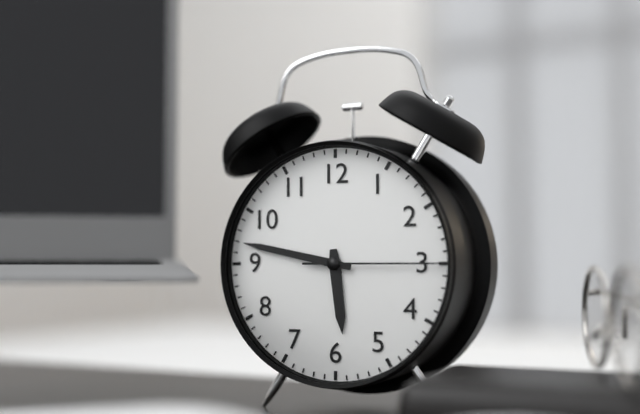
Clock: 5 h 47 min 15 s
